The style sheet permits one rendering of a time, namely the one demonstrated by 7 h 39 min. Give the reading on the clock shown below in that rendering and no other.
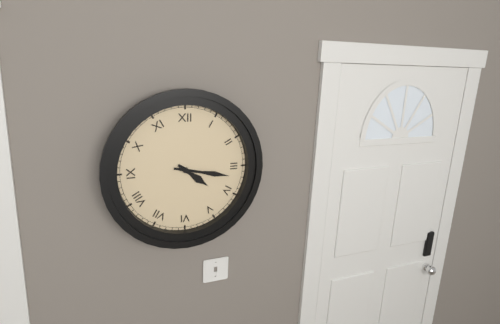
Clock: 4 h 17 min
